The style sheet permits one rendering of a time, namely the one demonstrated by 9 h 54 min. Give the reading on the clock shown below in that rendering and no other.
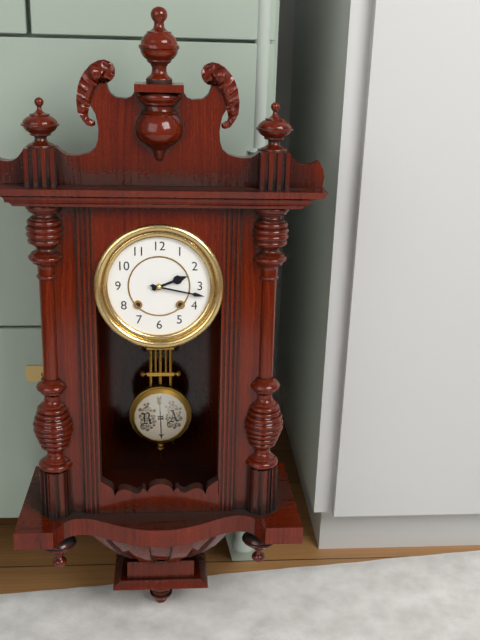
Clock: 2 h 17 min
